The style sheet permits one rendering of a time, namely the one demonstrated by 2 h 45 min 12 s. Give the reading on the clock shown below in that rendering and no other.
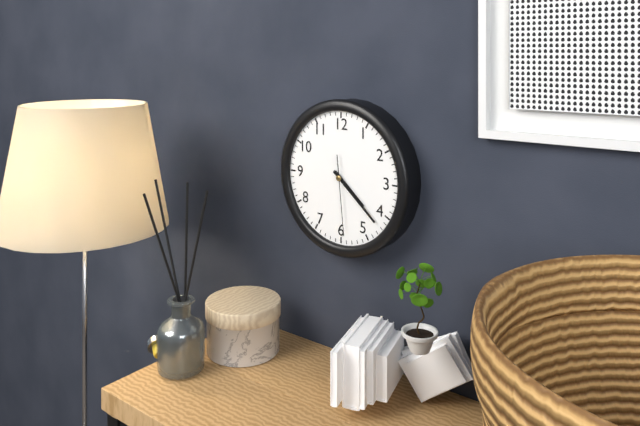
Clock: 4 h 22 min 29 s
